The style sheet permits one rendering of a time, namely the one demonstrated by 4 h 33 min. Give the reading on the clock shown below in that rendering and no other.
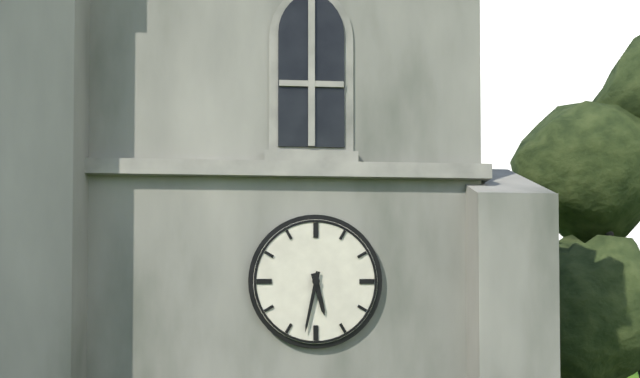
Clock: 5 h 32 min
